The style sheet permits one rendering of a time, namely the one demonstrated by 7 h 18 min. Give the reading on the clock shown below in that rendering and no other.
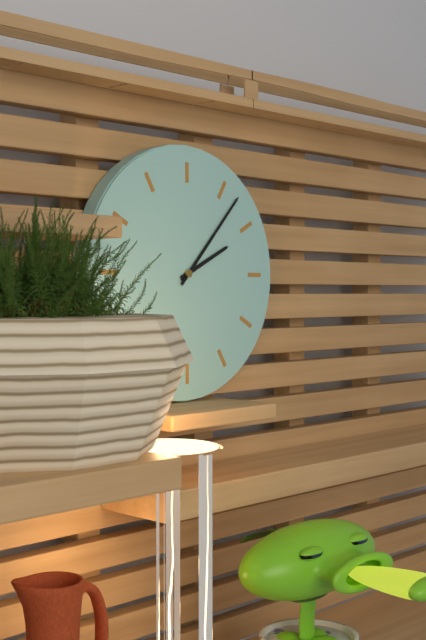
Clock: 2 h 07 min
